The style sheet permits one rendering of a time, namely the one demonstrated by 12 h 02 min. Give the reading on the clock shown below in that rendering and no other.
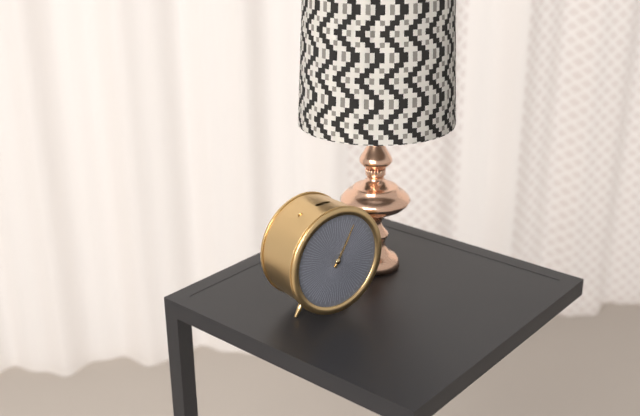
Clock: 1 h 05 min
